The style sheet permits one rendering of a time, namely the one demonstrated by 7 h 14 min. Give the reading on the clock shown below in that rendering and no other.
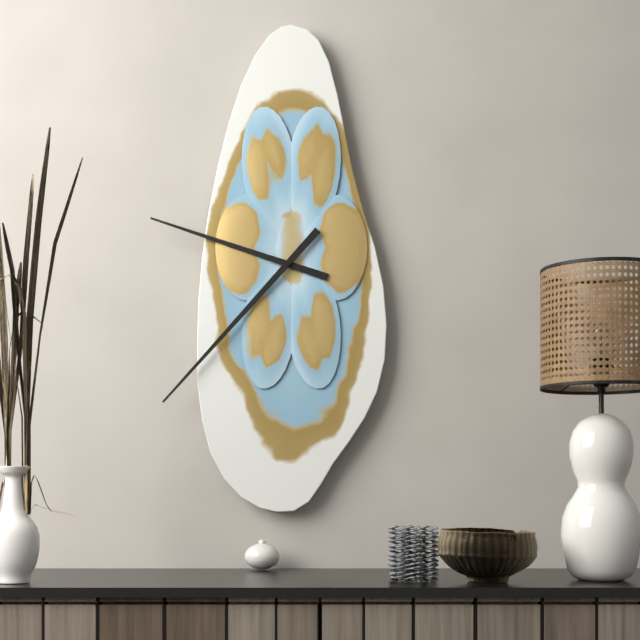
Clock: 9 h 37 min
